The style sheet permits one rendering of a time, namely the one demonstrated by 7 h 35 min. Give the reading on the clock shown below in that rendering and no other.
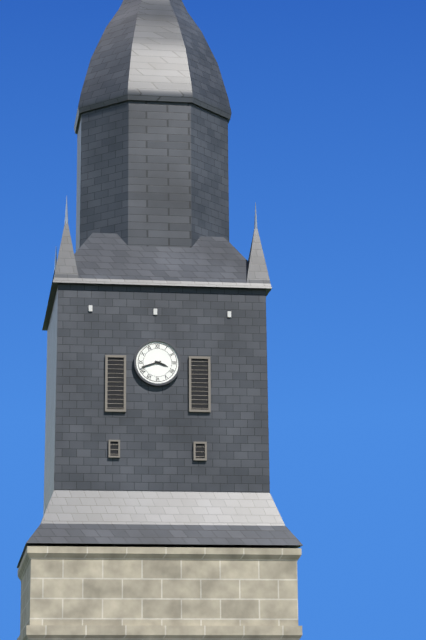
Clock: 3 h 42 min
